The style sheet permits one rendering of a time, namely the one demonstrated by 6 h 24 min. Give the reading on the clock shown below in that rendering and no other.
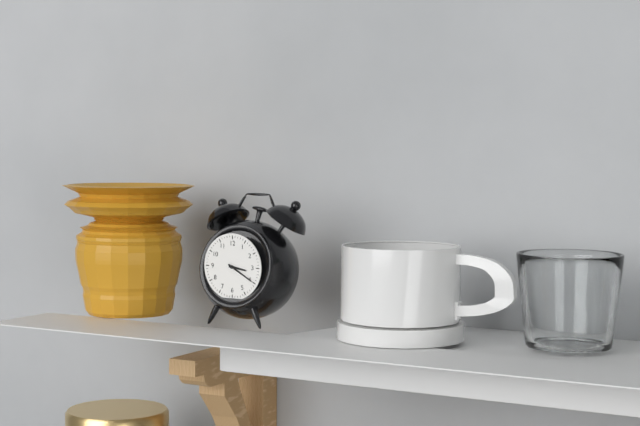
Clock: 3 h 20 min
